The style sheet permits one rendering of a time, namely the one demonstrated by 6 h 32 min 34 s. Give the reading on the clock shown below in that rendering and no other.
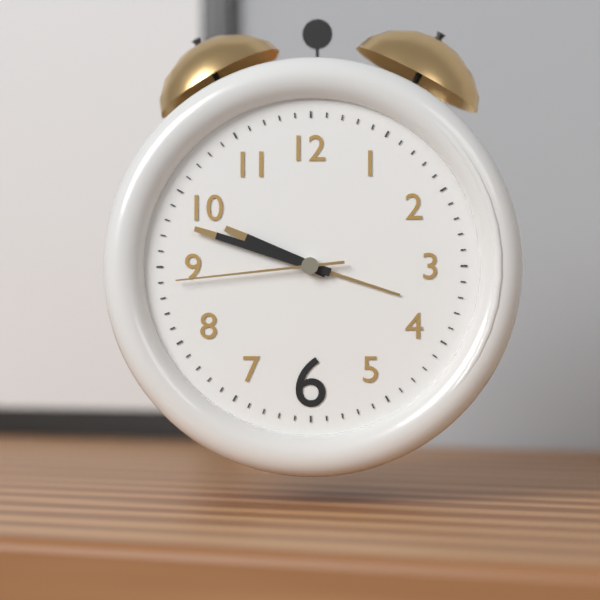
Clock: 9 h 48 min 44 s
